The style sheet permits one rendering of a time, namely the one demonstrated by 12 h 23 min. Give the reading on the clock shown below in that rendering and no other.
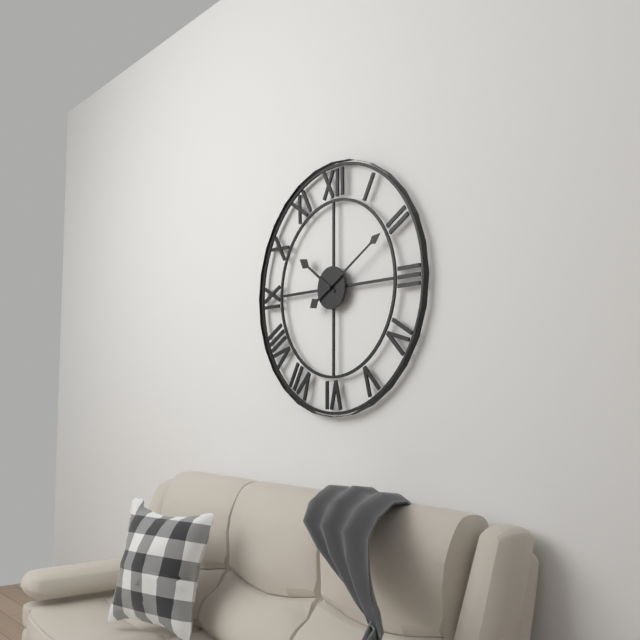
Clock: 10 h 10 min
